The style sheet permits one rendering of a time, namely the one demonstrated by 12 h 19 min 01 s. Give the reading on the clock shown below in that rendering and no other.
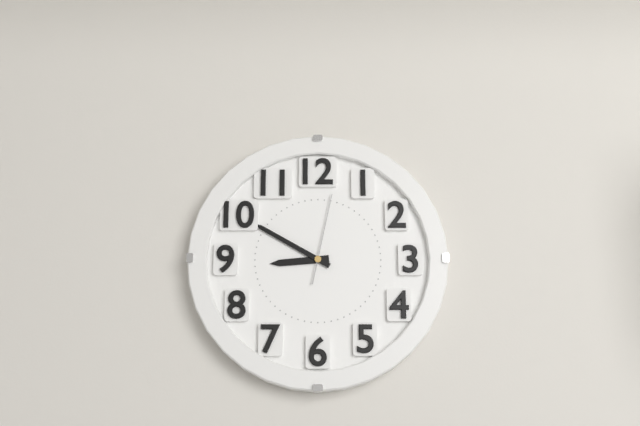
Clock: 8 h 50 min 02 s
